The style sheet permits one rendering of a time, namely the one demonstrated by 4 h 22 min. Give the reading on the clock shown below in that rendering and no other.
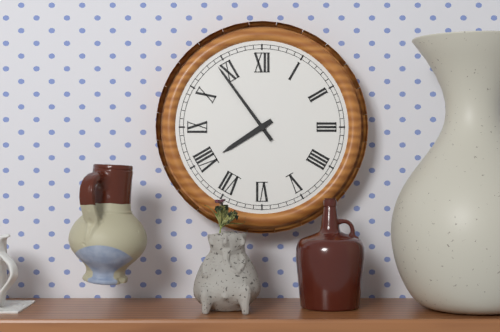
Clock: 7 h 54 min
